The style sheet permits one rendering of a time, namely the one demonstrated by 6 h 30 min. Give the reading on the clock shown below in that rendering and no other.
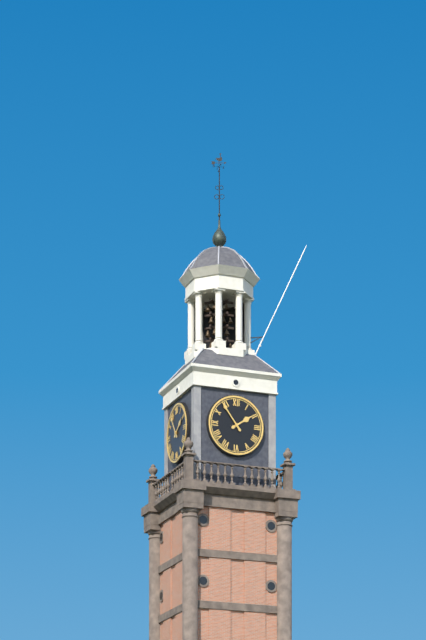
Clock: 1 h 54 min
